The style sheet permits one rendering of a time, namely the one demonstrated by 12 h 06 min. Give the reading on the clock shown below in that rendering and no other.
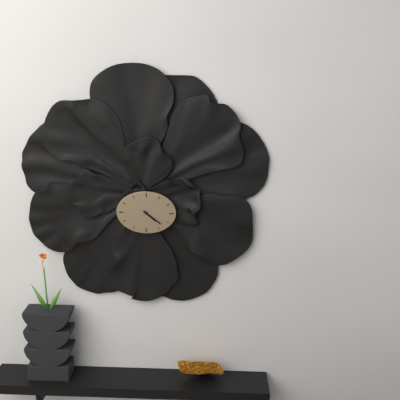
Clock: 4 h 21 min
